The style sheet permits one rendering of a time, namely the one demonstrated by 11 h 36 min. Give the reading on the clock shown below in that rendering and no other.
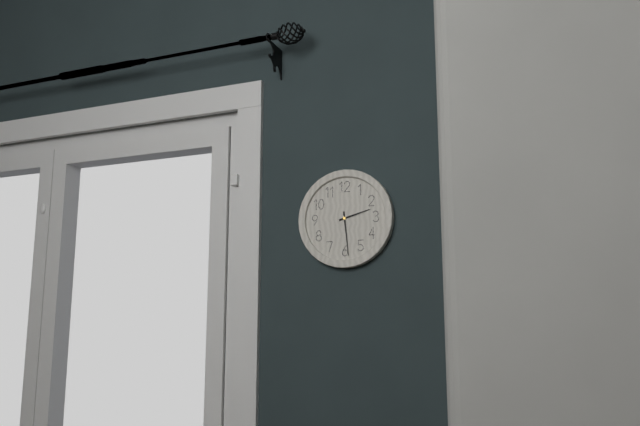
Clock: 2 h 29 min
